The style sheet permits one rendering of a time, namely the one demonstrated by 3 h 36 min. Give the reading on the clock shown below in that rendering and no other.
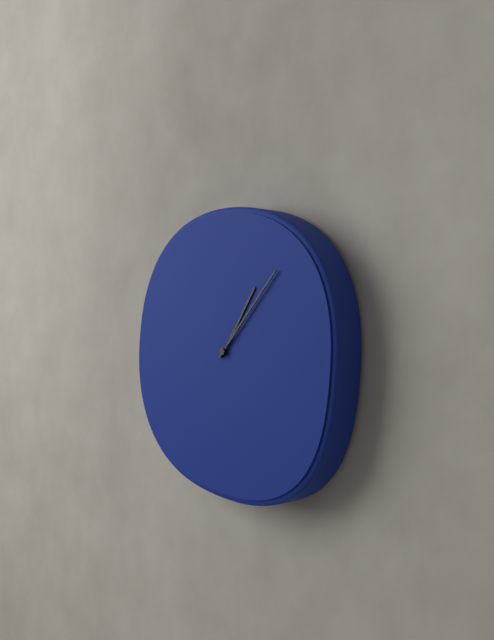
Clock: 1 h 07 min
